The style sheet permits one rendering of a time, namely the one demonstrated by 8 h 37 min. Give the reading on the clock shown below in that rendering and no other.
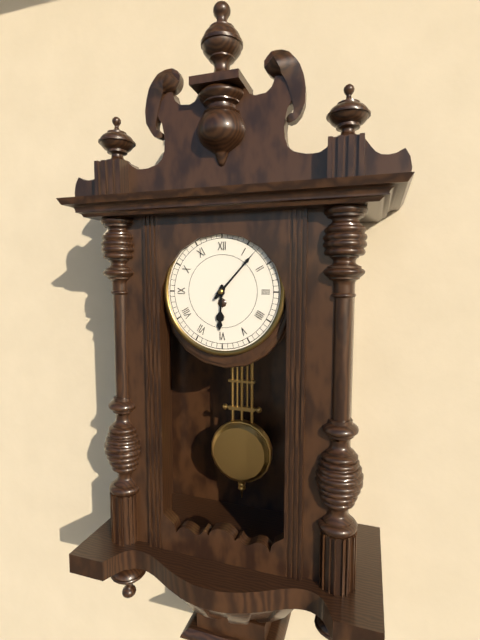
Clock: 6 h 07 min
